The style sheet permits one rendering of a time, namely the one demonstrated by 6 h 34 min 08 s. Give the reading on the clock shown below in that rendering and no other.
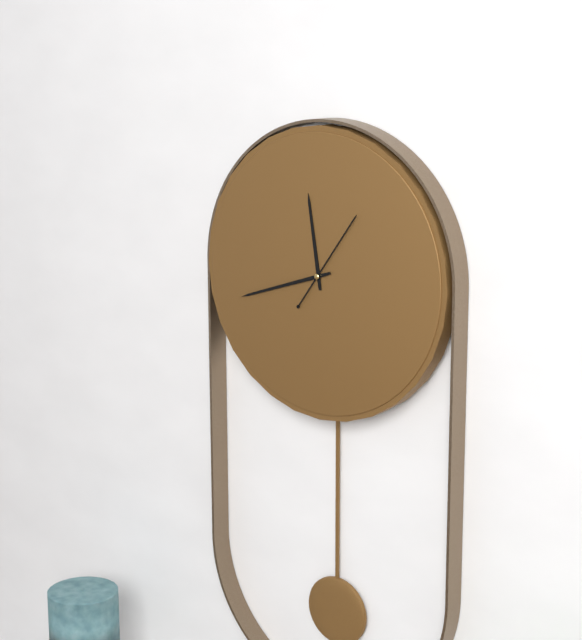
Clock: 11 h 42 min 06 s
